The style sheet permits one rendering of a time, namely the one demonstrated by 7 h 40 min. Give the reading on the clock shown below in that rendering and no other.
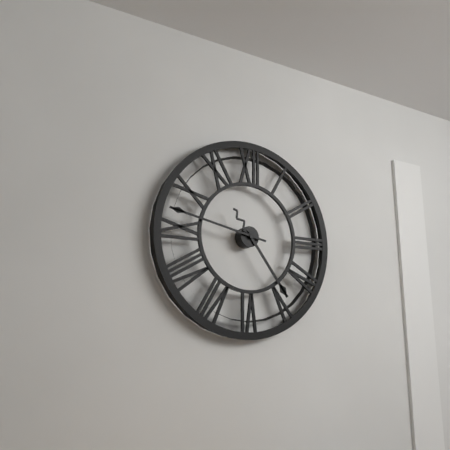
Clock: 4 h 47 min
